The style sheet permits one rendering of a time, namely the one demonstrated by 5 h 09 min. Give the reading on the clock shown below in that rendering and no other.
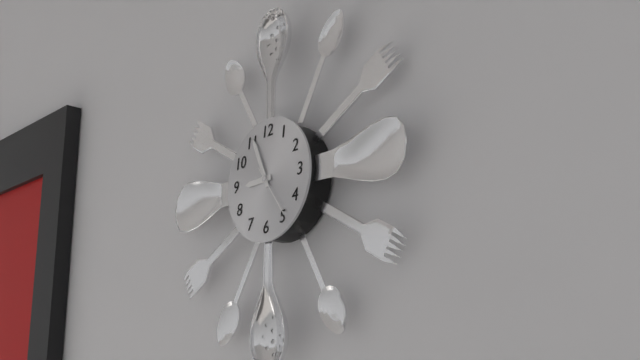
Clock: 8 h 56 min
